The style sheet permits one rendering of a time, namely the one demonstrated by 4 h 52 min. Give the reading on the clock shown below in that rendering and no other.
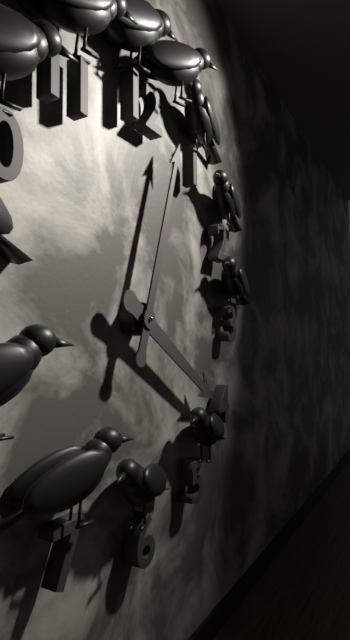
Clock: 4 h 03 min
